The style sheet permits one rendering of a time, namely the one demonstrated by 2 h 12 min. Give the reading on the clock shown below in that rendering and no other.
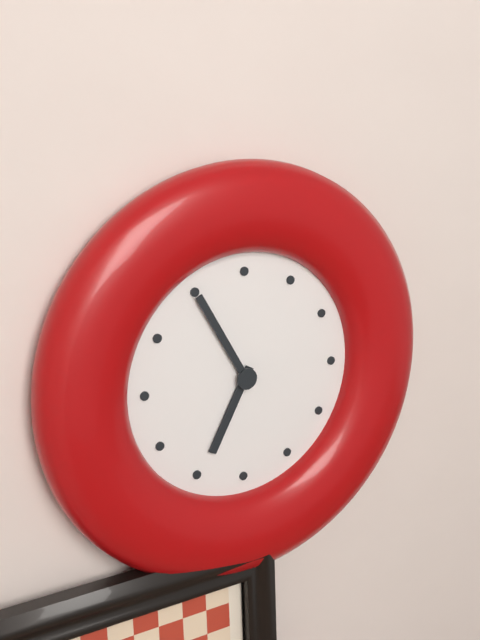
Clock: 6 h 55 min
